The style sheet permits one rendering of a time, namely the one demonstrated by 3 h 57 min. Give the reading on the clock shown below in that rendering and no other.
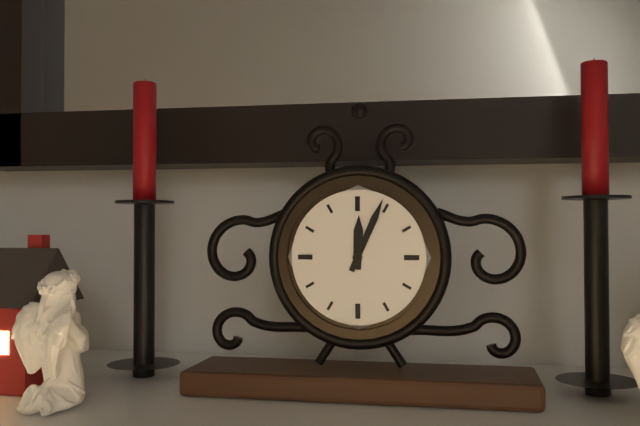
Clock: 12 h 04 min
